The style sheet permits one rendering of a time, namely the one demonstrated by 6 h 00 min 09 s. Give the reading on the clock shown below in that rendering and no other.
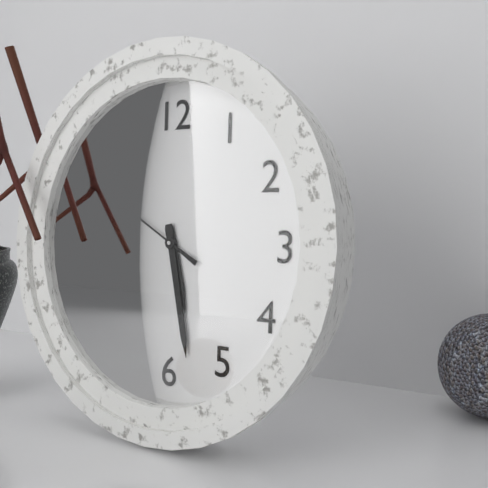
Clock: 5 h 28 min 50 s
